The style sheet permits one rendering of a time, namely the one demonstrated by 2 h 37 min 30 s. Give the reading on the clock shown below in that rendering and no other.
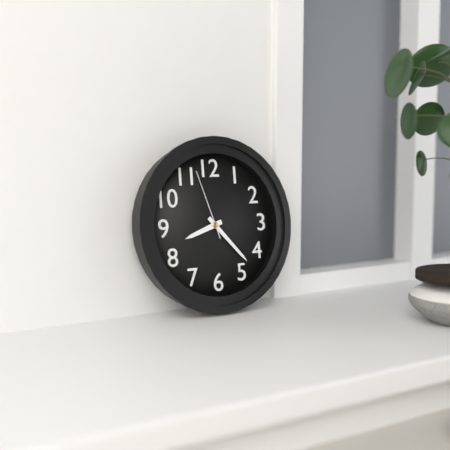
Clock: 8 h 23 min 57 s
